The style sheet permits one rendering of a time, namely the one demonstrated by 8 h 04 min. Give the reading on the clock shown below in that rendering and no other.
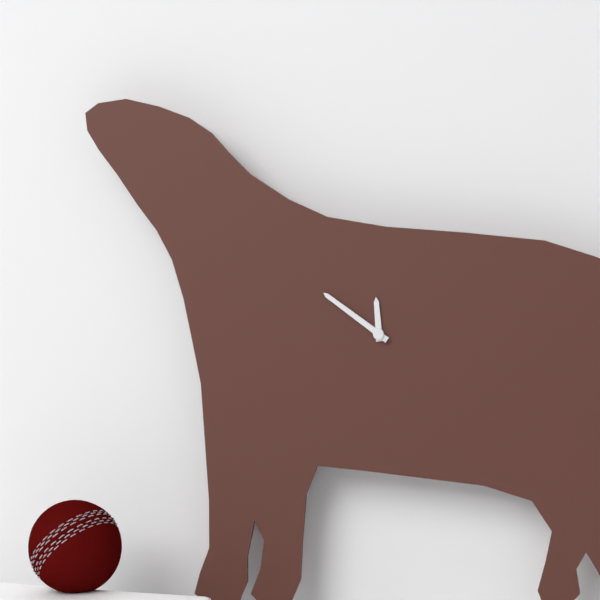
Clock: 11 h 51 min
